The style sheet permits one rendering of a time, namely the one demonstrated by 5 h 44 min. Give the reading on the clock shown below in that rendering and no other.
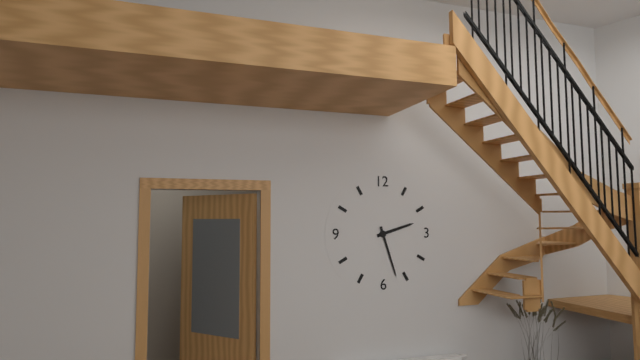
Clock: 2 h 27 min
